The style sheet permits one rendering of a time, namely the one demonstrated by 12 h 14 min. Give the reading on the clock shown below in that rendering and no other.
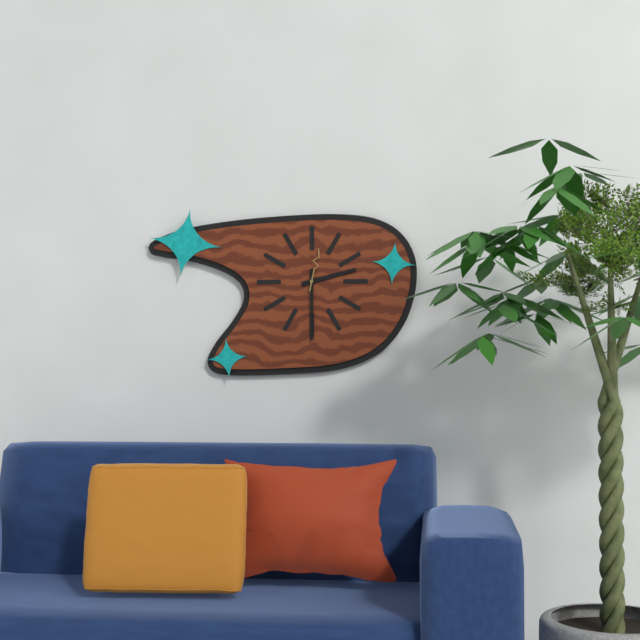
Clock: 2 h 30 min
